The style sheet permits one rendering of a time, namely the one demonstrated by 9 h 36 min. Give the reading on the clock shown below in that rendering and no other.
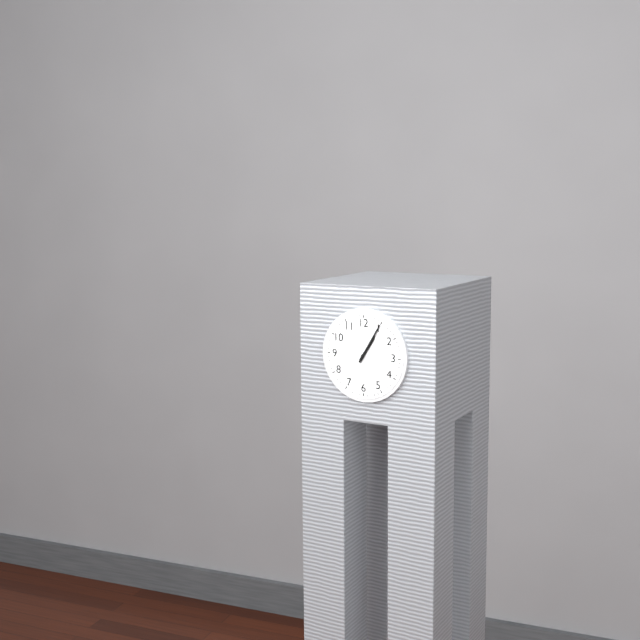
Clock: 1 h 05 min
